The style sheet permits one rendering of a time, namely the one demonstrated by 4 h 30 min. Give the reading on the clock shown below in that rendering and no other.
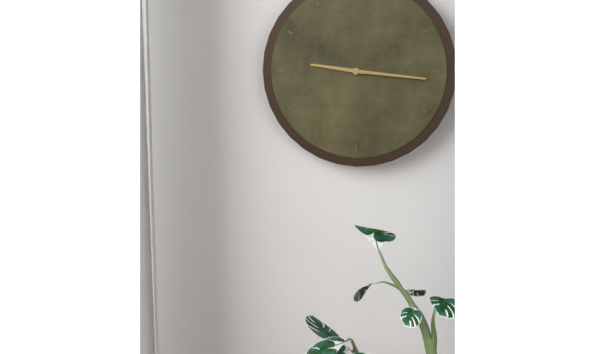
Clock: 9 h 16 min
